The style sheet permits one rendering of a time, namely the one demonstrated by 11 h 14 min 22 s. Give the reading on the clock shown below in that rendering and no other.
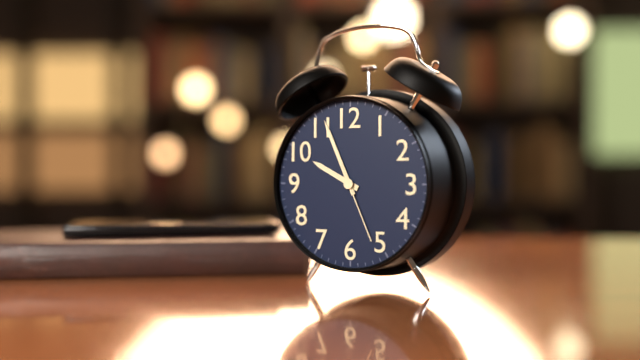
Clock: 9 h 56 min 26 s
